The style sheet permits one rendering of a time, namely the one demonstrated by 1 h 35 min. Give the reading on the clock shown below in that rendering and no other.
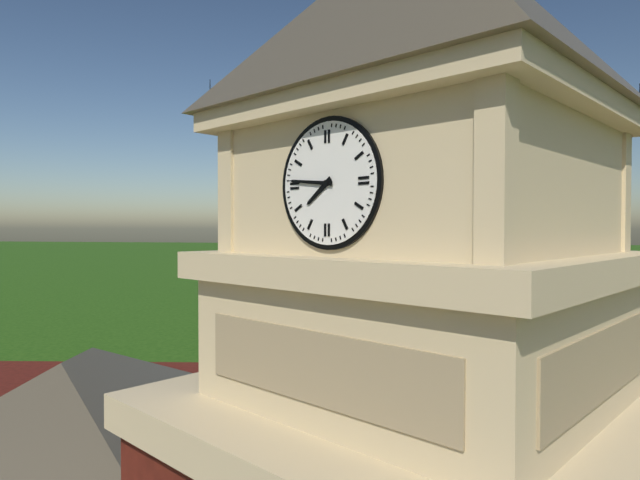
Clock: 7 h 46 min
